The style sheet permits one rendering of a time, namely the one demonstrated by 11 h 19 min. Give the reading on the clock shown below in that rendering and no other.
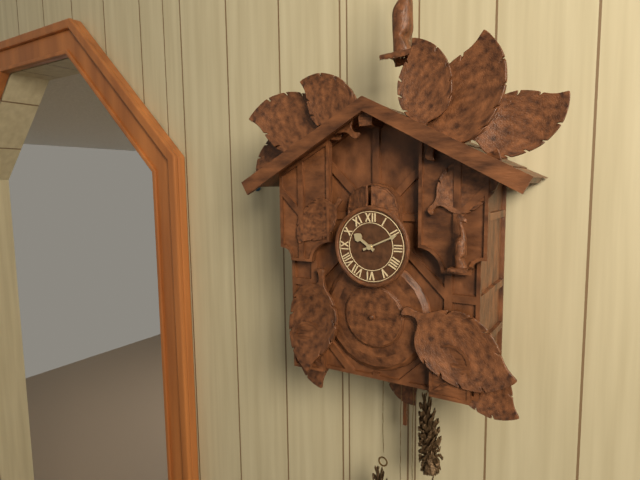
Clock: 10 h 11 min
